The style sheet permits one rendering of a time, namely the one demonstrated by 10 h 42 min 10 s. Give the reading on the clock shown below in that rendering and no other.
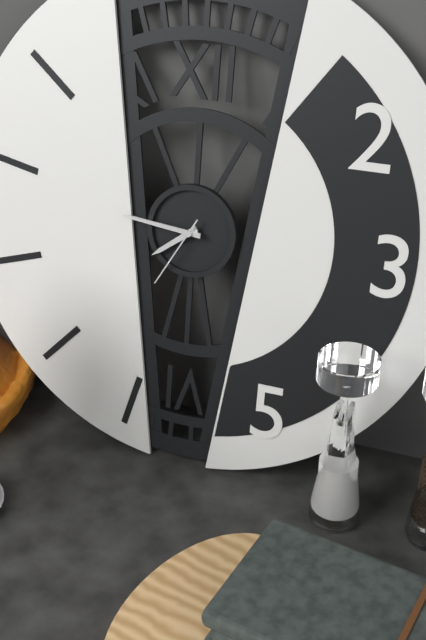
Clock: 7 h 46 min 35 s
